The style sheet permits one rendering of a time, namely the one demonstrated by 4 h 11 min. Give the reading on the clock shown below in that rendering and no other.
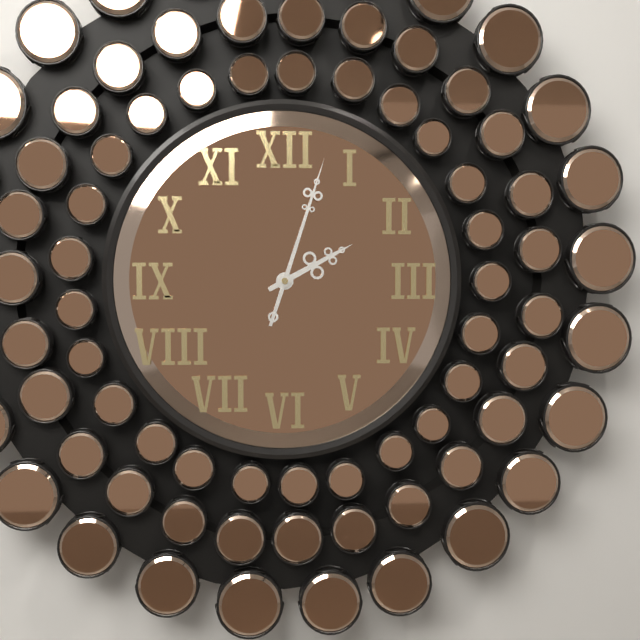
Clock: 2 h 03 min
